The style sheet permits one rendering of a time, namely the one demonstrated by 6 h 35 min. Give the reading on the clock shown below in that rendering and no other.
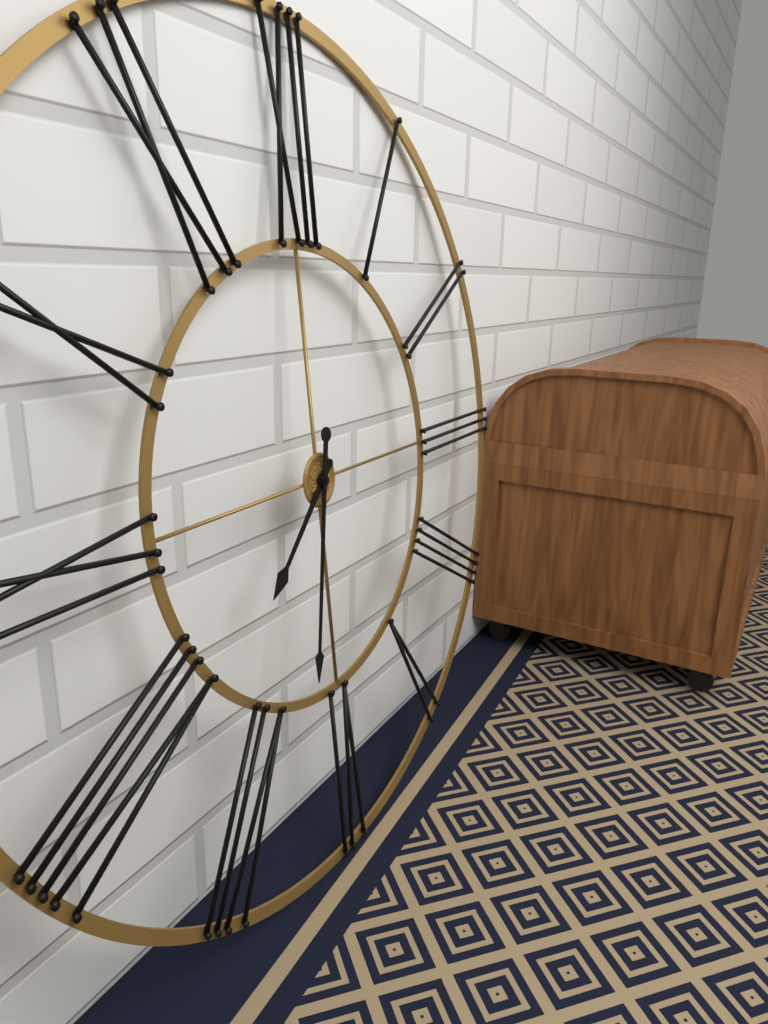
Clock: 7 h 32 min
